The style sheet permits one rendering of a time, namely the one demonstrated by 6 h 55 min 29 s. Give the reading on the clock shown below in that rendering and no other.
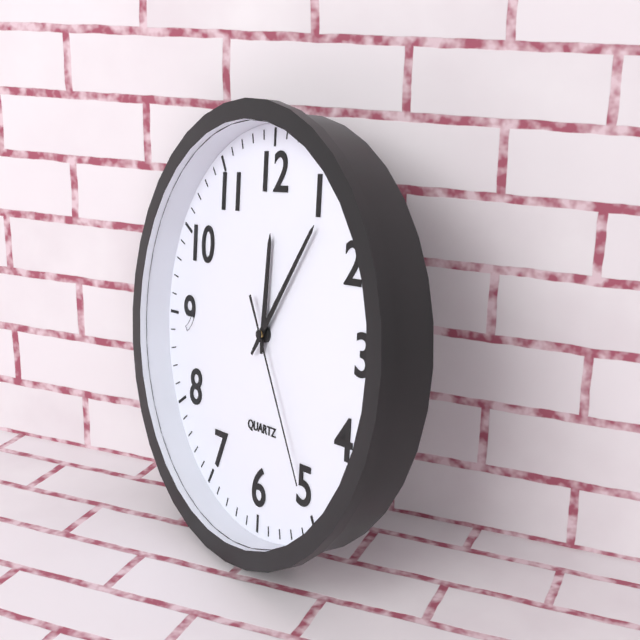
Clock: 12 h 06 min 25 s
